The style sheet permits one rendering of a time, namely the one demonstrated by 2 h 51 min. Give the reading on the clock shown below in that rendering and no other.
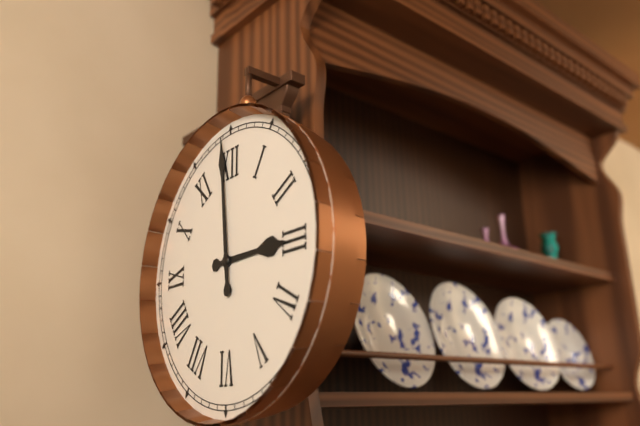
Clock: 2 h 59 min
